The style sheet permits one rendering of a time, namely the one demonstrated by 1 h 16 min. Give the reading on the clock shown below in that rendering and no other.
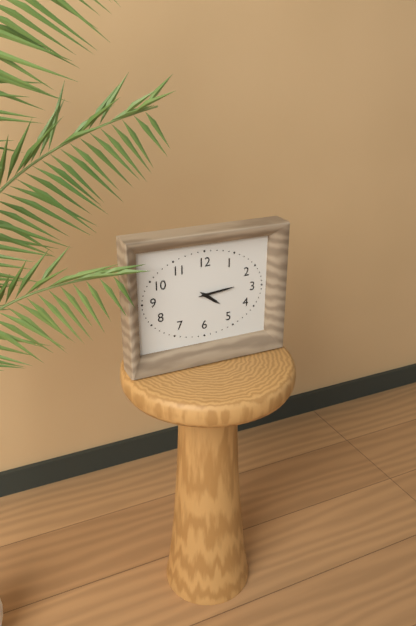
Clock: 4 h 14 min
